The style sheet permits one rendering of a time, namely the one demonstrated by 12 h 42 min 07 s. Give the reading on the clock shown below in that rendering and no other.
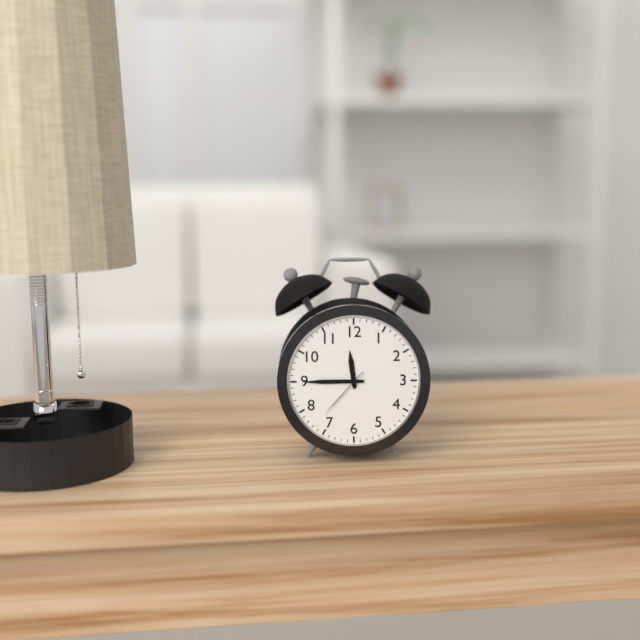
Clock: 11 h 45 min 37 s
